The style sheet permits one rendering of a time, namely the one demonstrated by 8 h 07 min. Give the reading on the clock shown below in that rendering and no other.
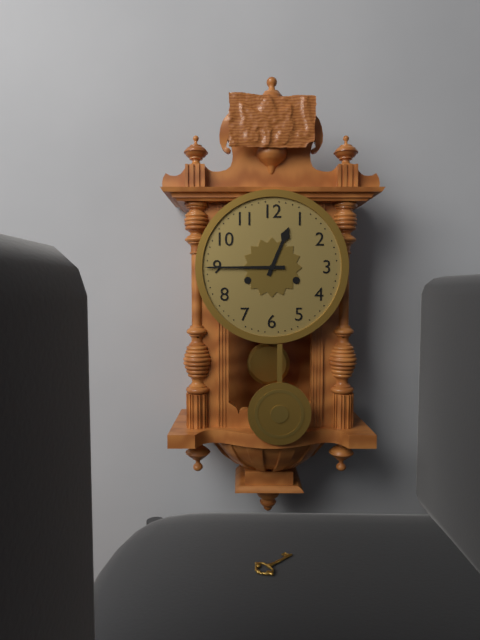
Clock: 12 h 45 min
